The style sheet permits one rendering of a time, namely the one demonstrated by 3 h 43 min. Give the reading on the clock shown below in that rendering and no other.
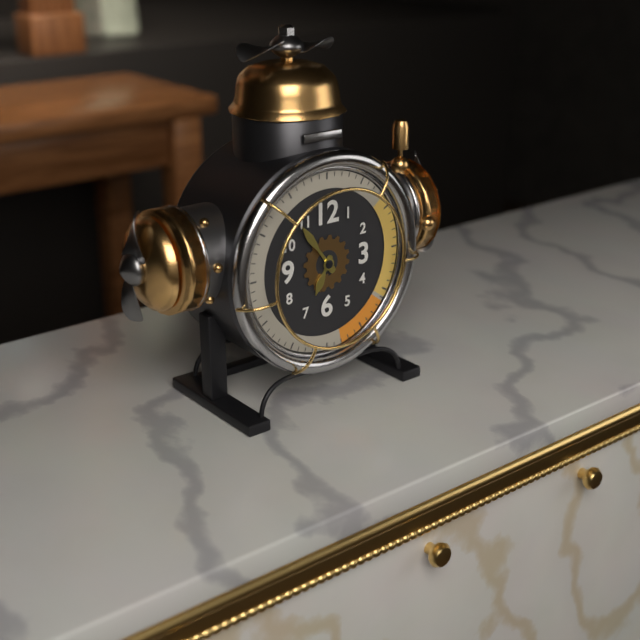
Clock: 6 h 54 min
